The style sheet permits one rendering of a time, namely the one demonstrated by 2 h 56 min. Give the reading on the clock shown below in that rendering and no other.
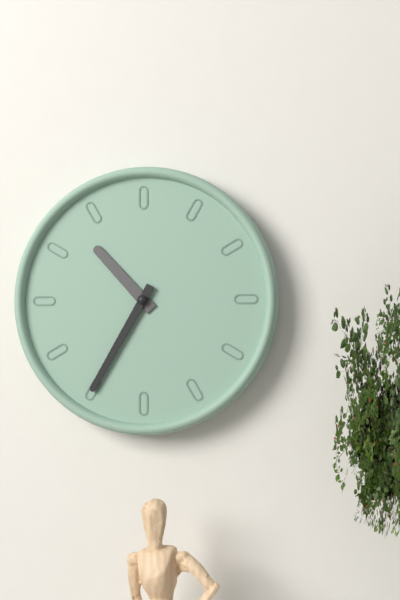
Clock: 10 h 35 min
